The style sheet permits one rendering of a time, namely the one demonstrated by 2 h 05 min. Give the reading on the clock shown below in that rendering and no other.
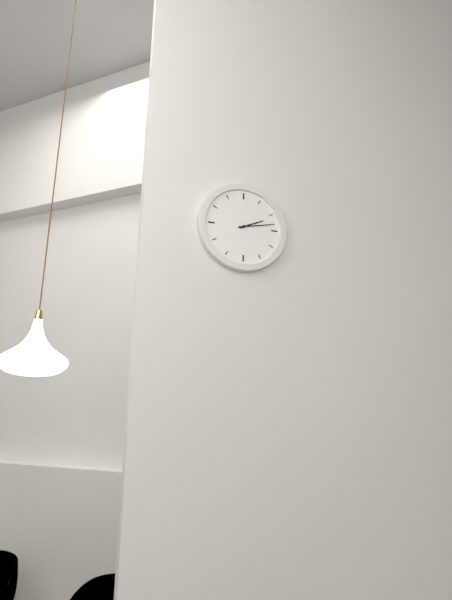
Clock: 2 h 13 min
